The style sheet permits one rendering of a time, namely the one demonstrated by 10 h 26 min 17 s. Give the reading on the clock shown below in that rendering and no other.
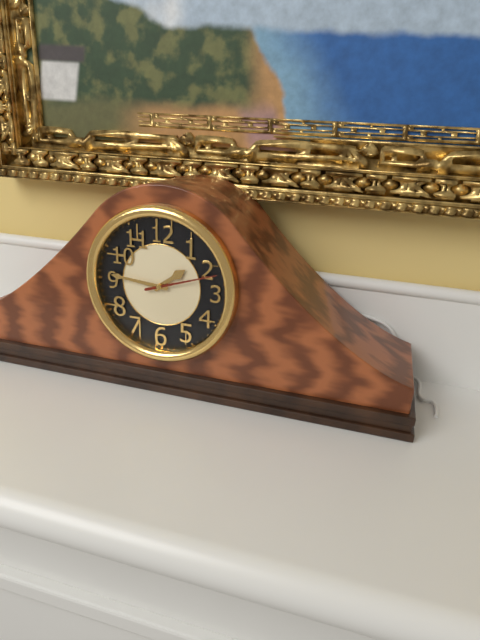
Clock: 1 h 46 min 12 s
